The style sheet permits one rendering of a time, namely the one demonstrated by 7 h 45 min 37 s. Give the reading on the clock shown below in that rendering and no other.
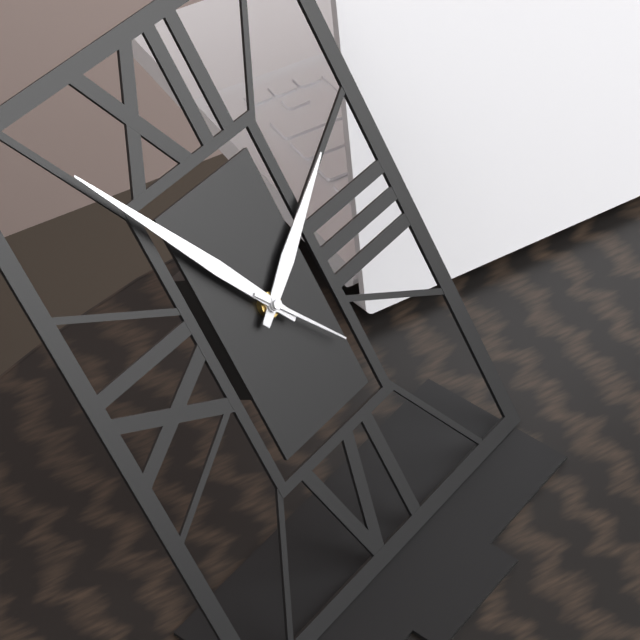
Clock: 1 h 55 min 24 s
